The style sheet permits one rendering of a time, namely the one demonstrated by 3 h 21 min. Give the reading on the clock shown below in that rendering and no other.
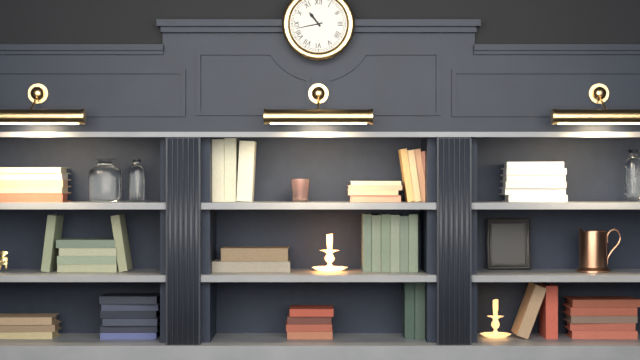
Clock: 10 h 43 min
